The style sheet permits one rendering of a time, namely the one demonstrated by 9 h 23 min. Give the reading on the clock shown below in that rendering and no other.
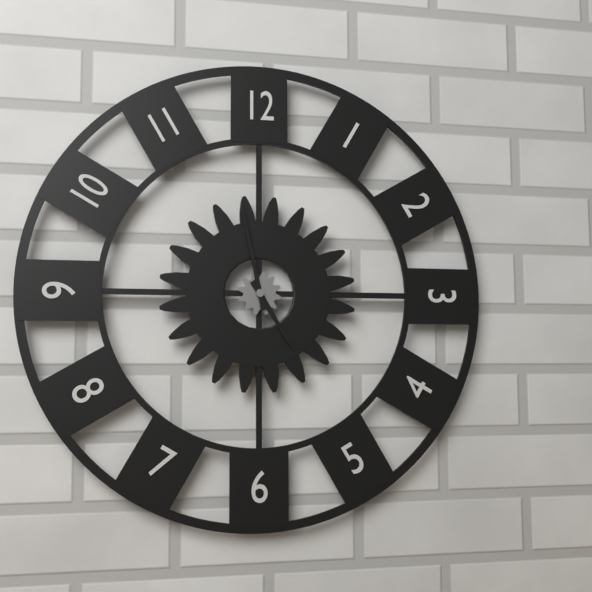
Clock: 4 h 58 min
